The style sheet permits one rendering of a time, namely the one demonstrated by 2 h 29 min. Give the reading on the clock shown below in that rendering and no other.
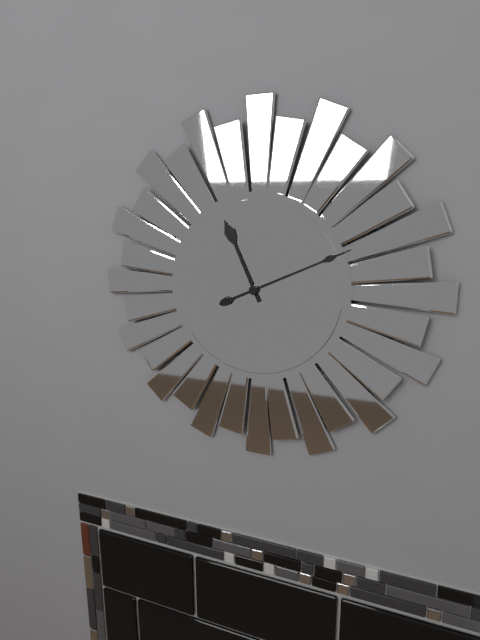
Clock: 11 h 11 min
